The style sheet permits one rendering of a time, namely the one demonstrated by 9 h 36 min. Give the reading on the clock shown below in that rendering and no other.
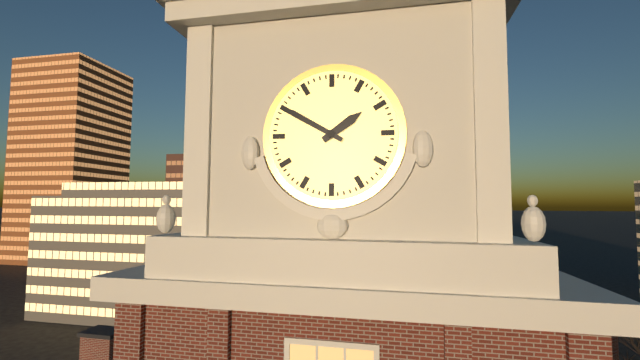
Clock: 1 h 50 min
